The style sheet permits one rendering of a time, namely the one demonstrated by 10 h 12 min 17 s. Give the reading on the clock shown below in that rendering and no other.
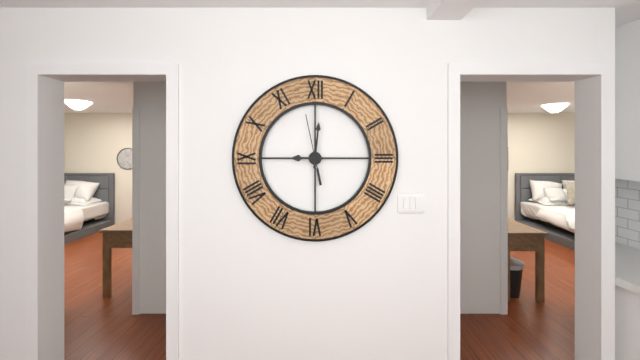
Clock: 9 h 01 min 58 s
